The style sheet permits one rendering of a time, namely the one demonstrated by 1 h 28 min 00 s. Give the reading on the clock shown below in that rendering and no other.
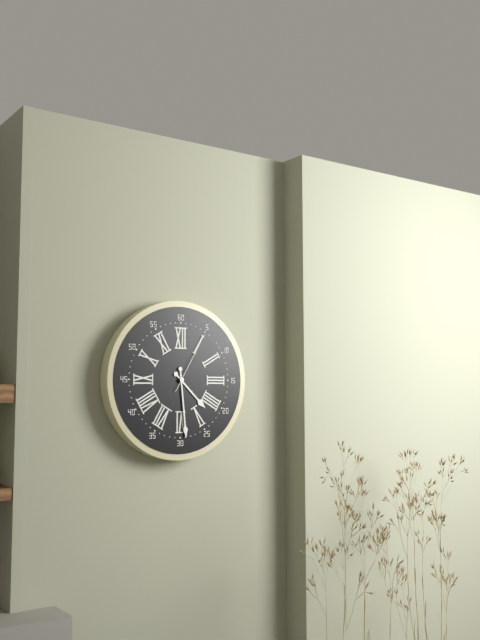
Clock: 4 h 29 min 05 s
